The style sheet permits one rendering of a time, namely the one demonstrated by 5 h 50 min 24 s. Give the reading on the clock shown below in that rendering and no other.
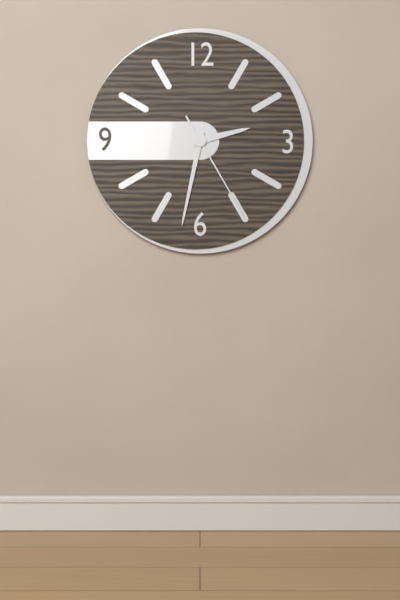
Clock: 2 h 32 min 25 s
